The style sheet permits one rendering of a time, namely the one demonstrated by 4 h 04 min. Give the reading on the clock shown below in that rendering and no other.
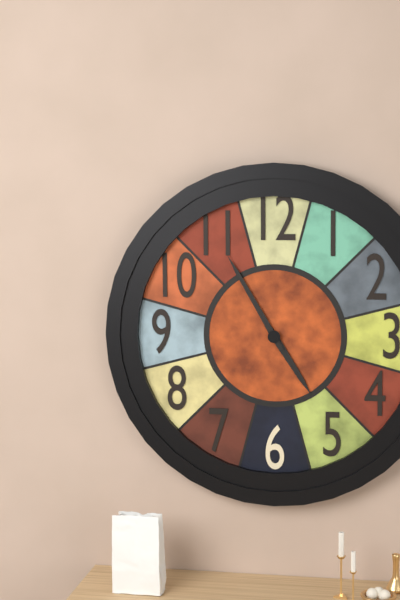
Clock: 4 h 55 min
